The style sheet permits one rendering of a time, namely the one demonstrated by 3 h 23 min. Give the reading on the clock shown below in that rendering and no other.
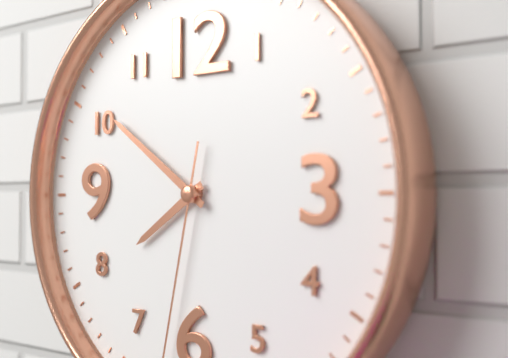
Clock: 7 h 51 min
